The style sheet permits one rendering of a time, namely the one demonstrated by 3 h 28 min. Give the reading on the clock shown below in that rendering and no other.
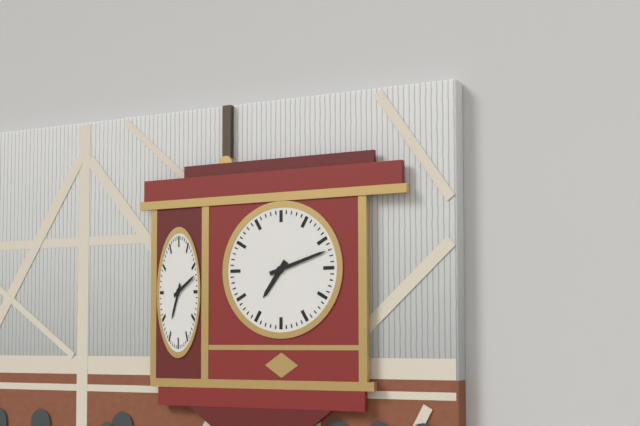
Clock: 7 h 12 min
